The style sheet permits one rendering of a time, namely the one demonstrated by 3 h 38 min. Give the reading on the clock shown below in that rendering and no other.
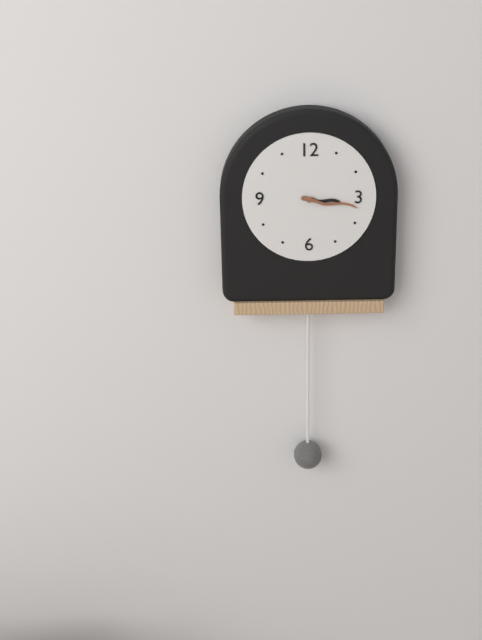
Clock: 3 h 17 min
